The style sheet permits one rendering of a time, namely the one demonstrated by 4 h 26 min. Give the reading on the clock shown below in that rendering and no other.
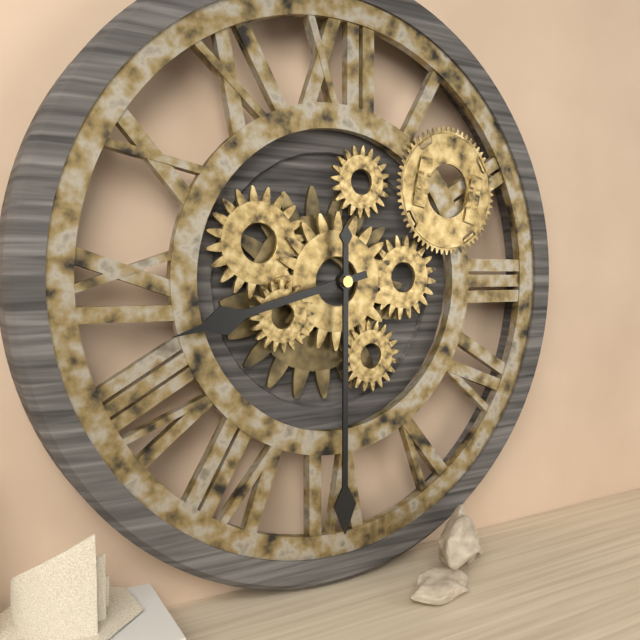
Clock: 8 h 30 min
